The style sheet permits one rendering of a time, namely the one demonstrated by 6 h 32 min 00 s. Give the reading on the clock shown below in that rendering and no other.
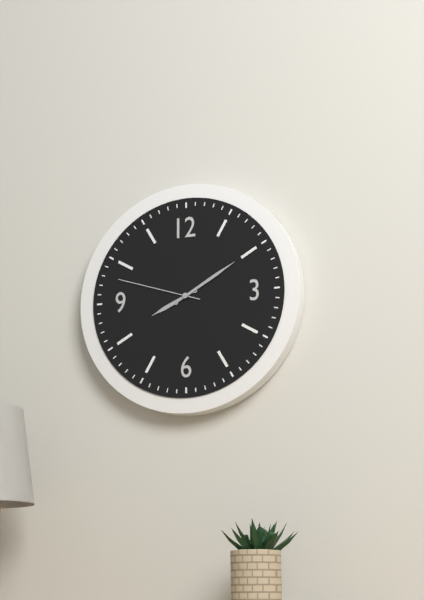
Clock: 8 h 10 min 48 s
